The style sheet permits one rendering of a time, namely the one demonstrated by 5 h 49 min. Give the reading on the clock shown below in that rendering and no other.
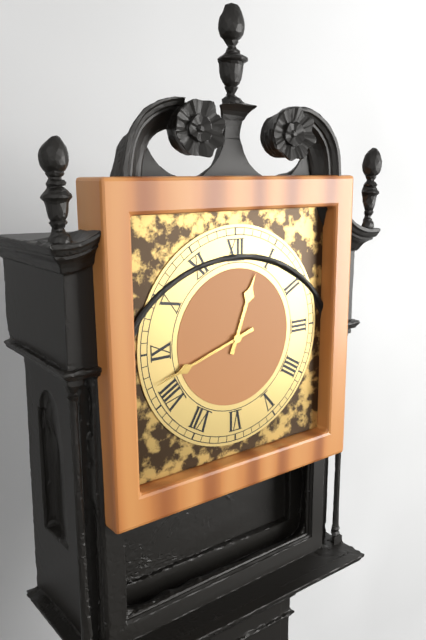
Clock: 12 h 42 min
